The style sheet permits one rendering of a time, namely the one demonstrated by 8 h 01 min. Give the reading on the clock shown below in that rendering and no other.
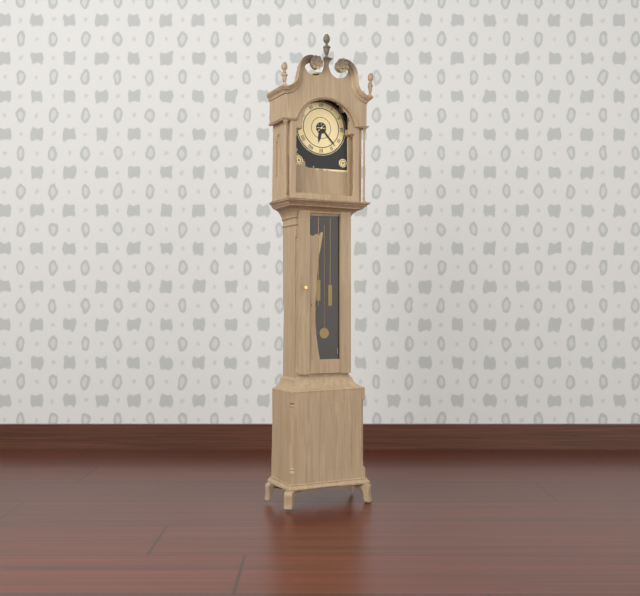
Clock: 6 h 23 min
